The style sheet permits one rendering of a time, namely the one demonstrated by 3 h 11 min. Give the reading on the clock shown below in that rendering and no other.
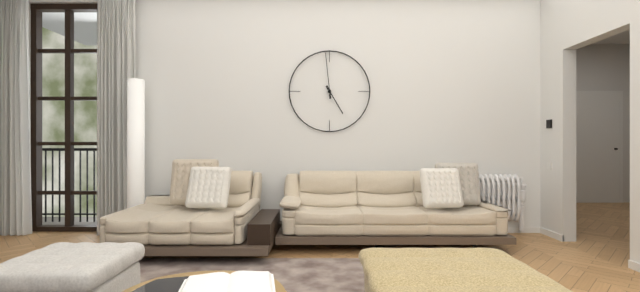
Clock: 4 h 59 min
